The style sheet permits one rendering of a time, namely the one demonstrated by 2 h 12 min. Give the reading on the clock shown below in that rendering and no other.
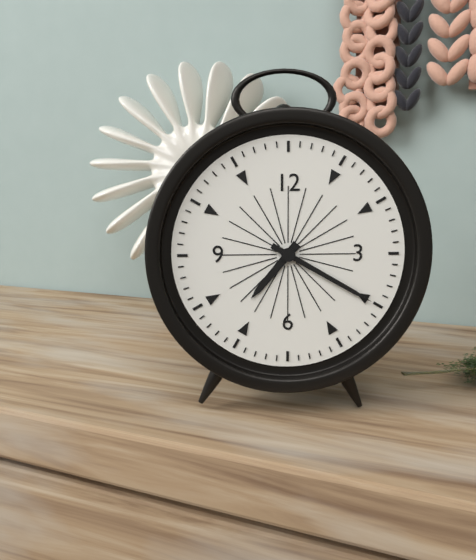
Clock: 7 h 20 min
